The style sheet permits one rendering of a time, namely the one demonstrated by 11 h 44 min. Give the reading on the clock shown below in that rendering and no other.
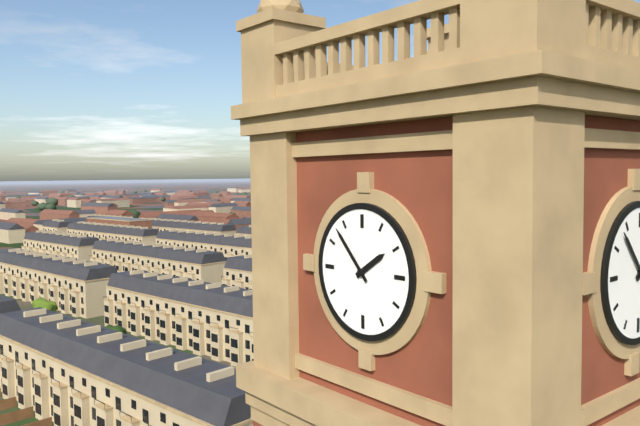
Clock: 1 h 53 min
